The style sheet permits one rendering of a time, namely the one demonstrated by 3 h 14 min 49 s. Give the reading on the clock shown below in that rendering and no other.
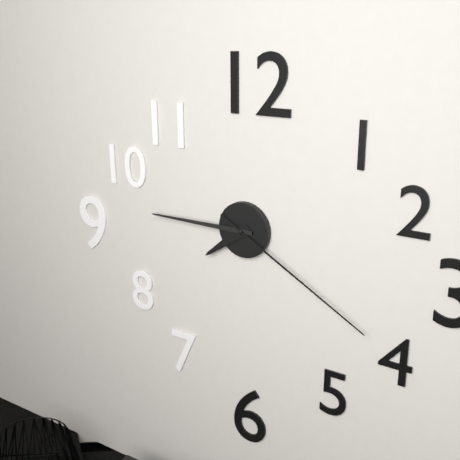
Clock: 7 h 45 min 20 s
